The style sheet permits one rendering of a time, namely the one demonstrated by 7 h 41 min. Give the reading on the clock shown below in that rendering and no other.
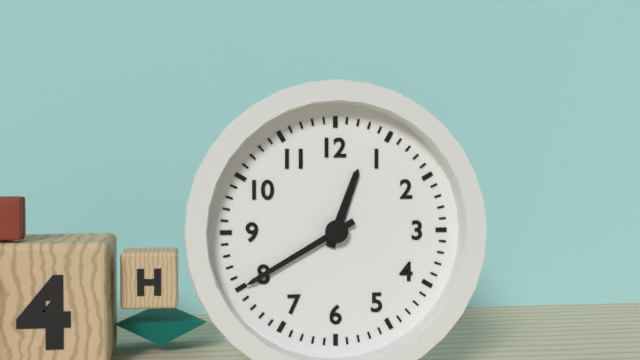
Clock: 12 h 40 min
